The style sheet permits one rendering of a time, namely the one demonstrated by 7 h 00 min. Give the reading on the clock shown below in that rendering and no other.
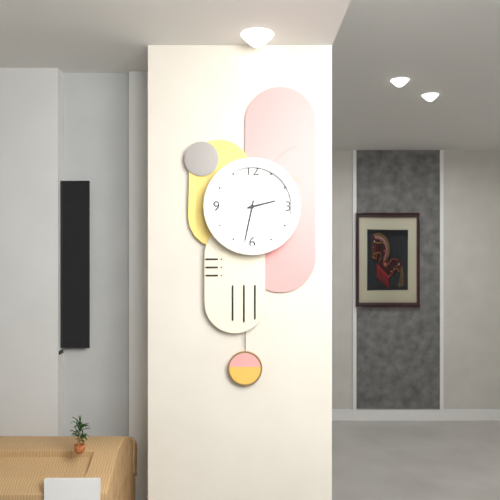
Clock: 2 h 32 min
